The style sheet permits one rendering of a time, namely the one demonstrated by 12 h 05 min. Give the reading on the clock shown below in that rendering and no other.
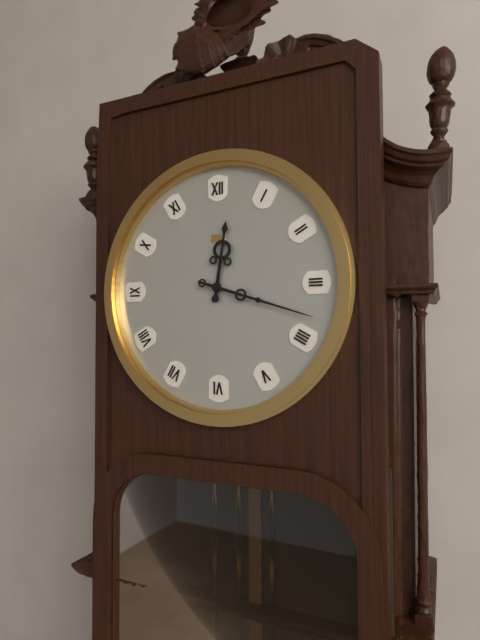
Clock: 12 h 18 min
